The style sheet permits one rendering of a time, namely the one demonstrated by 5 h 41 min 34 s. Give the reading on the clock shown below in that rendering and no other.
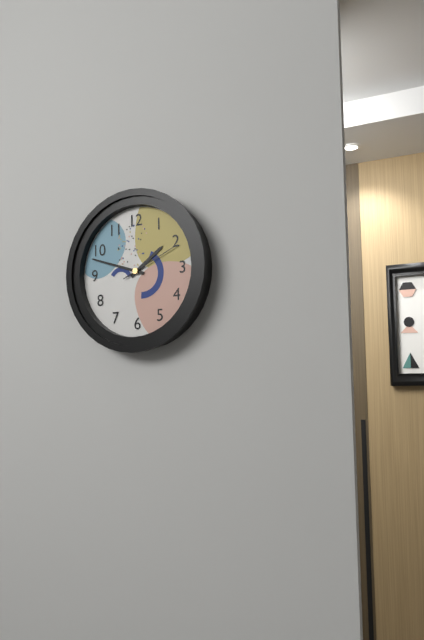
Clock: 1 h 48 min 11 s
